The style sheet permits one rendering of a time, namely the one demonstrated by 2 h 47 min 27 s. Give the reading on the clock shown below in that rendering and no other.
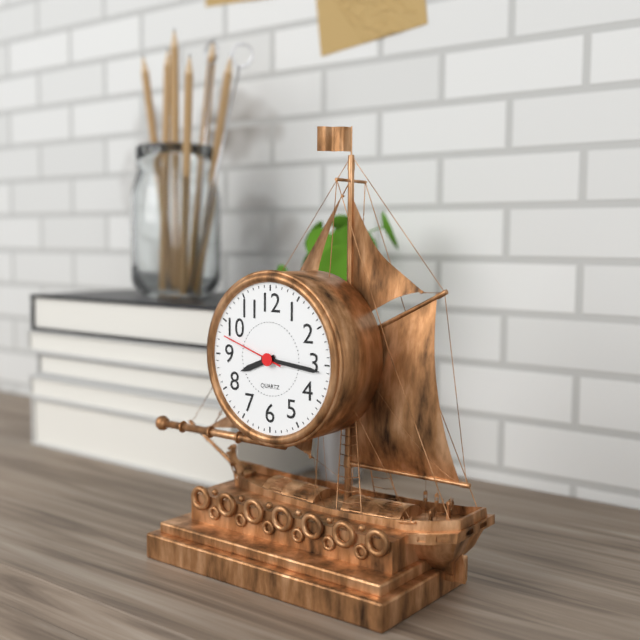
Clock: 8 h 16 min 48 s
